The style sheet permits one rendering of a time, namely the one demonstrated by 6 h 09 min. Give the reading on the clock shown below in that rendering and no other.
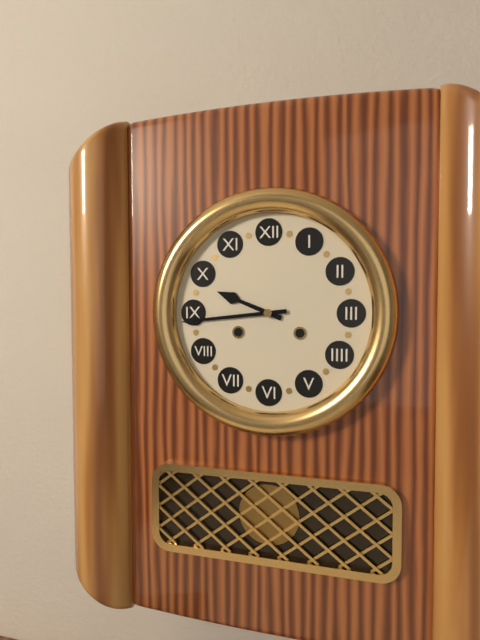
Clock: 9 h 44 min
